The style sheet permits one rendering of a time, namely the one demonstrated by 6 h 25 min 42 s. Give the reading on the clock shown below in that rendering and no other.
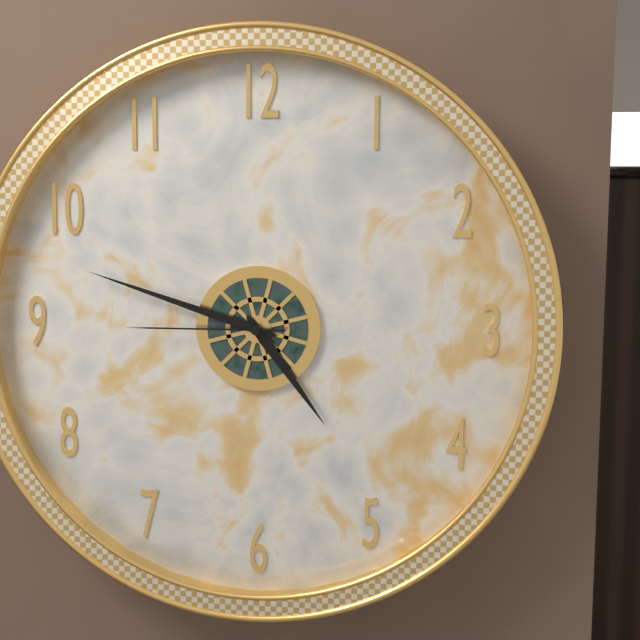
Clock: 4 h 48 min 45 s
